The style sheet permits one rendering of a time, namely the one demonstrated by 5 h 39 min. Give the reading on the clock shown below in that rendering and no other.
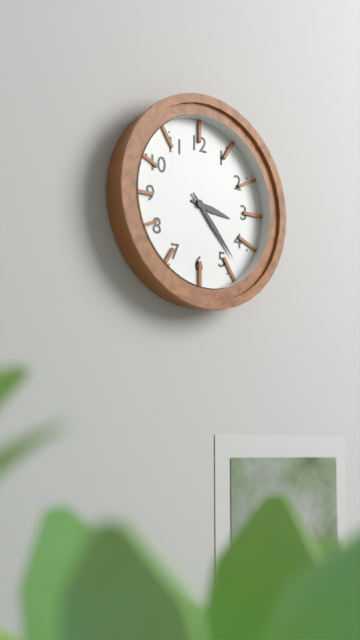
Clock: 3 h 23 min
